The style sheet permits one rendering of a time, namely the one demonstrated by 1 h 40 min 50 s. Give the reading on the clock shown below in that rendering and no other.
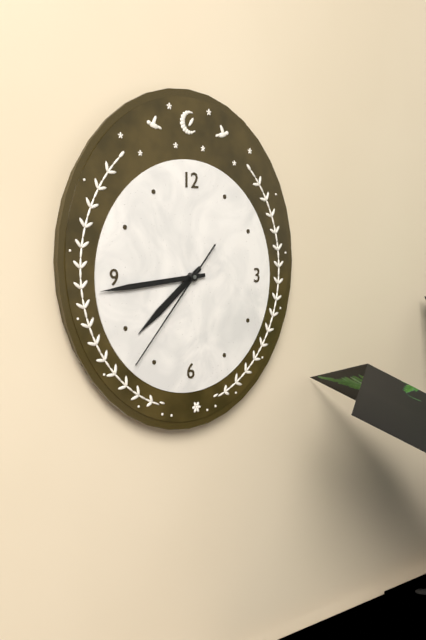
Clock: 7 h 44 min 37 s
